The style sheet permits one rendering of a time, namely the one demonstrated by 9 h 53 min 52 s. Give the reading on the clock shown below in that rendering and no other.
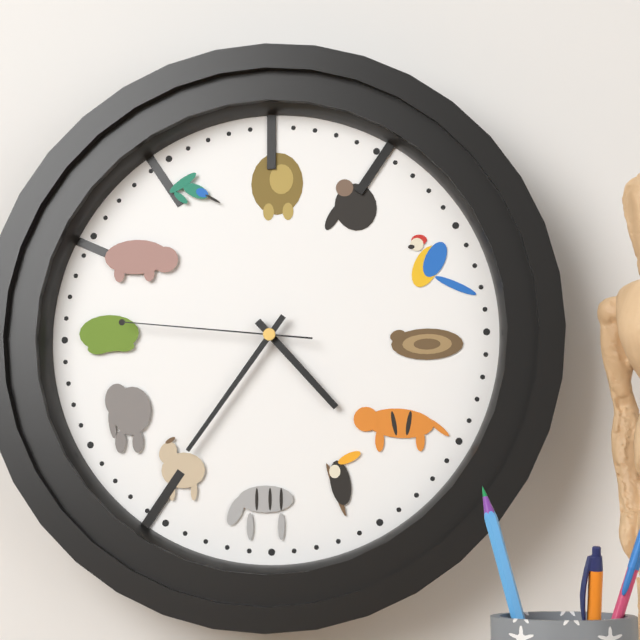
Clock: 4 h 36 min 46 s
